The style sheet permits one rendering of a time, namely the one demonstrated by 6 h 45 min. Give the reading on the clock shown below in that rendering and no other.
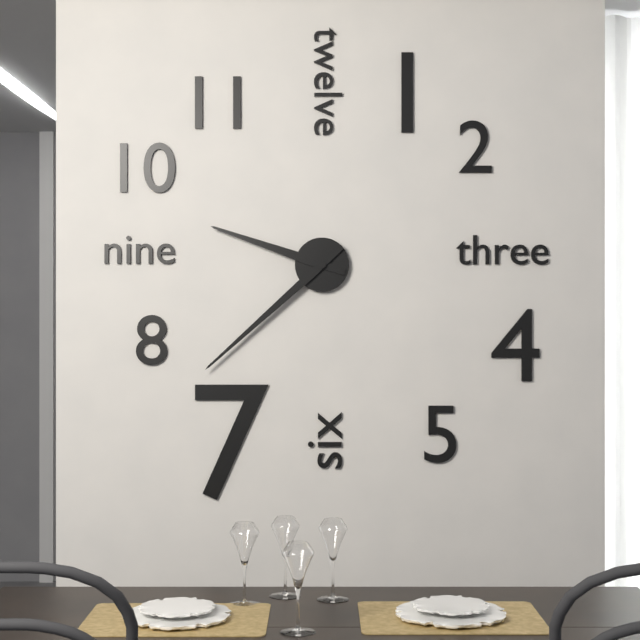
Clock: 9 h 38 min
